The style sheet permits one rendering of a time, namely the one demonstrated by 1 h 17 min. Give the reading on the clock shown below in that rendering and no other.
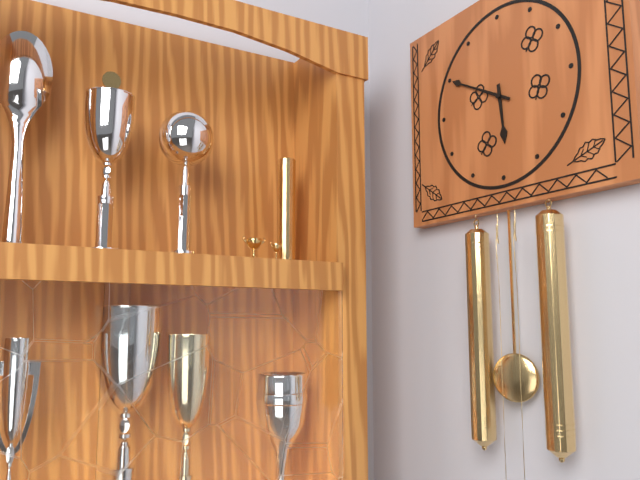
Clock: 5 h 50 min
